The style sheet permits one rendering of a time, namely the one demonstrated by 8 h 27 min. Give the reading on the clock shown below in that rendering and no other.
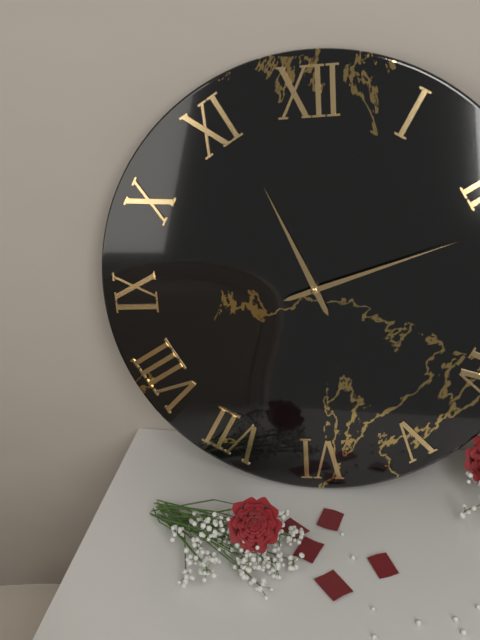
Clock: 11 h 12 min
